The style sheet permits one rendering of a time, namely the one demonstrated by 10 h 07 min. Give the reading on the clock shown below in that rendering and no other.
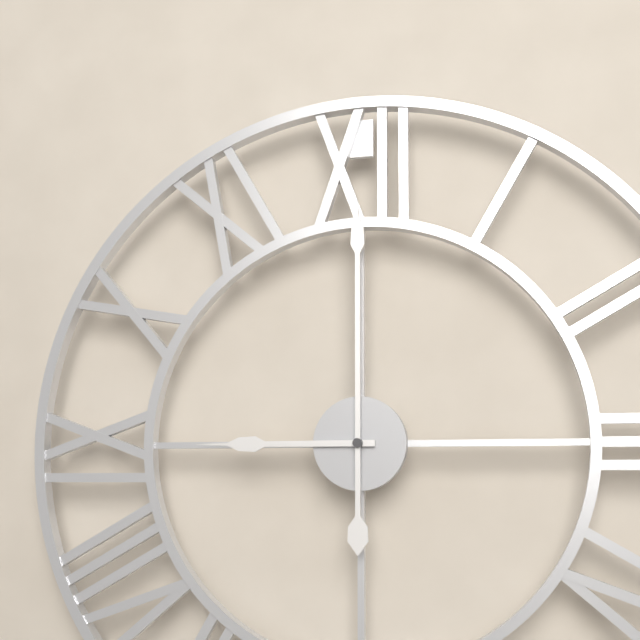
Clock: 9 h 00 min
